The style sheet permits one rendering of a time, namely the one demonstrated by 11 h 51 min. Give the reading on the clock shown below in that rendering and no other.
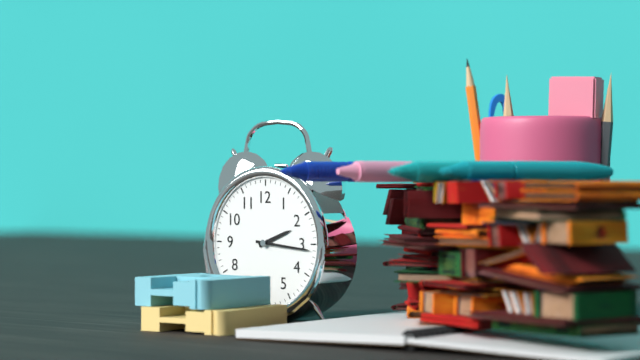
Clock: 2 h 16 min
